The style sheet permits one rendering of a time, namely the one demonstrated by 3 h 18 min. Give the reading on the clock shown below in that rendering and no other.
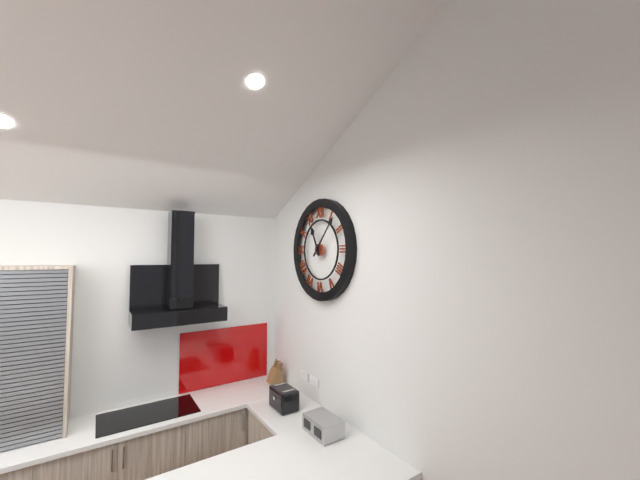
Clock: 11 h 07 min
